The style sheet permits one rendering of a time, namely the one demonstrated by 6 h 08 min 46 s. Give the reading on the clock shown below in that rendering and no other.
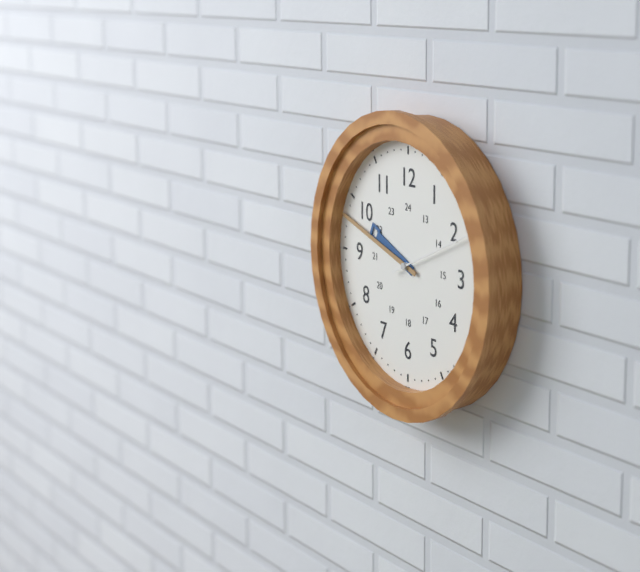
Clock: 9 h 48 min 11 s
